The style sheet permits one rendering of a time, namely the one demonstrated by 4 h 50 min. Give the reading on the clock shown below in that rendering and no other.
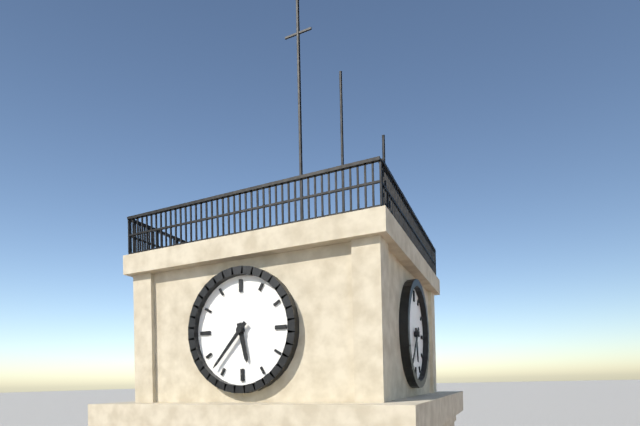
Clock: 5 h 37 min
